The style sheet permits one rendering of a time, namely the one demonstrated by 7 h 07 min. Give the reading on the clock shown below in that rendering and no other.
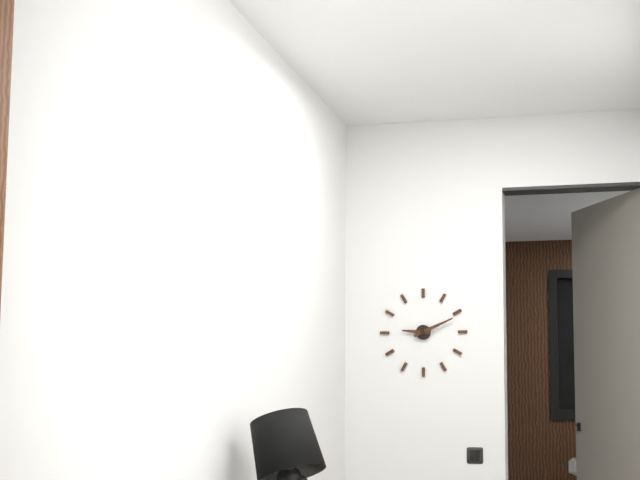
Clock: 9 h 11 min
